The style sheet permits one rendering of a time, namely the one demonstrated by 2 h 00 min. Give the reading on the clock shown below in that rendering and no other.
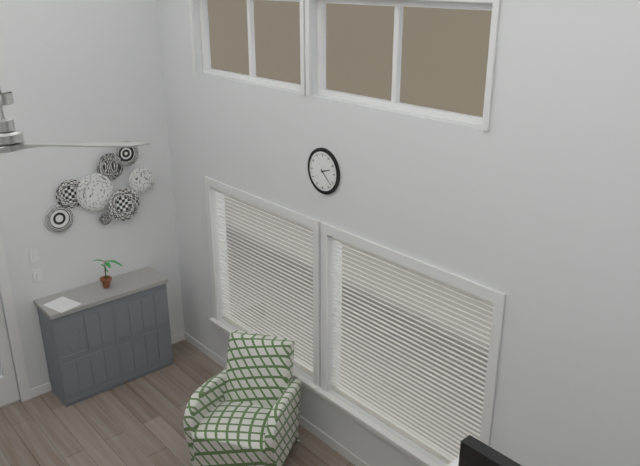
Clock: 2 h 22 min
